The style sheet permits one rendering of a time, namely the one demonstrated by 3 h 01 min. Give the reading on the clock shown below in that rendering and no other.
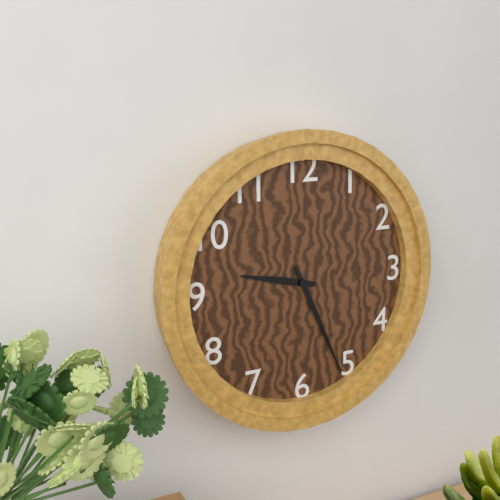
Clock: 9 h 26 min
